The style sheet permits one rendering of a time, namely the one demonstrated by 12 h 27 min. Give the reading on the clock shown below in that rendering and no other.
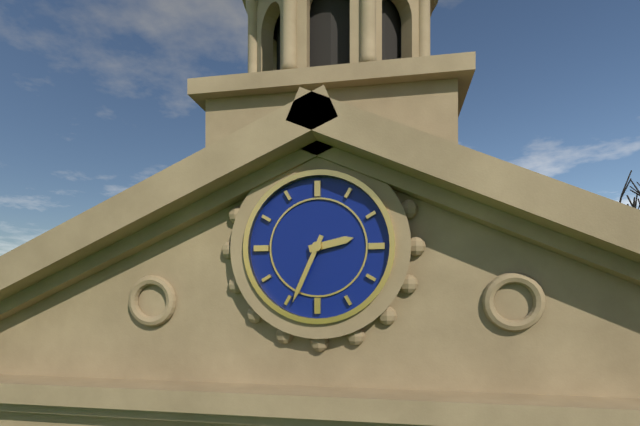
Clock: 2 h 34 min
